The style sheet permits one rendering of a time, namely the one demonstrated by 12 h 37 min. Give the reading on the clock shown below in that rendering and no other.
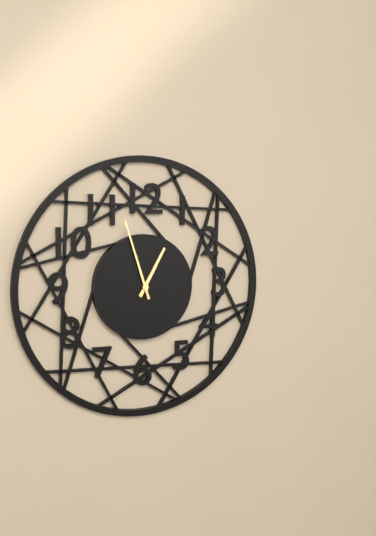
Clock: 12 h 57 min
